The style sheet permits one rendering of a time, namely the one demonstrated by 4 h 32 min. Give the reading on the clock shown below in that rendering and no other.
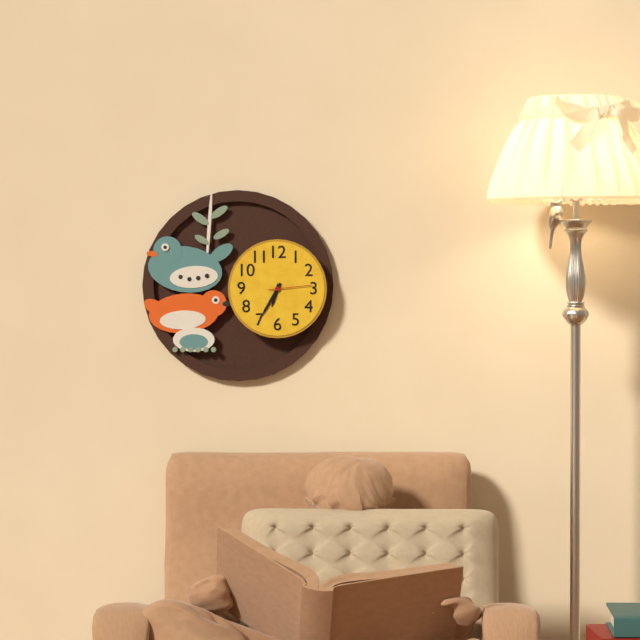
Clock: 6 h 35 min
